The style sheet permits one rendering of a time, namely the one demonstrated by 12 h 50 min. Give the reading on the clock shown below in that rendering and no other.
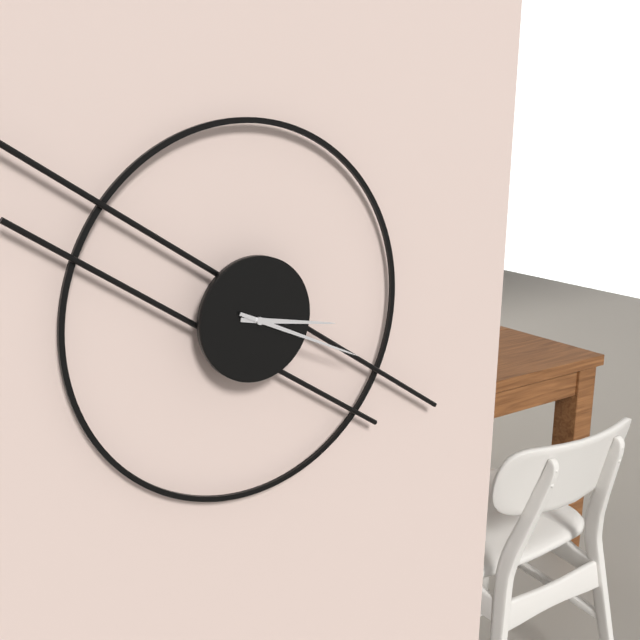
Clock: 3 h 19 min
